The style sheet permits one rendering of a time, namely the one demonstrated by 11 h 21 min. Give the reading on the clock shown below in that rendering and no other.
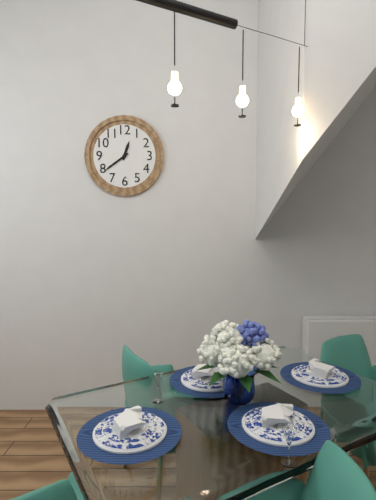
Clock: 12 h 39 min
